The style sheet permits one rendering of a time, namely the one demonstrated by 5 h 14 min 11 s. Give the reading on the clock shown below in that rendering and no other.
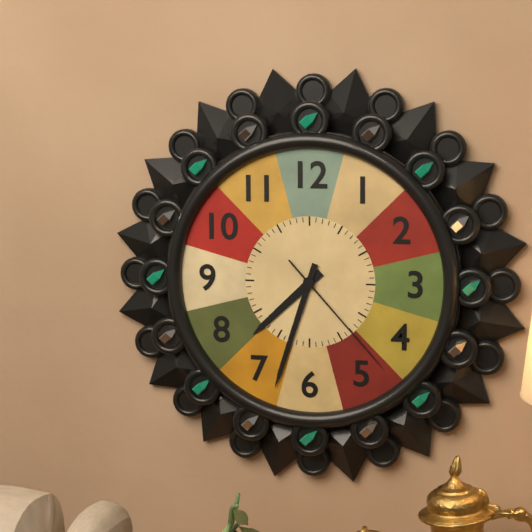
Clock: 7 h 33 min 23 s
